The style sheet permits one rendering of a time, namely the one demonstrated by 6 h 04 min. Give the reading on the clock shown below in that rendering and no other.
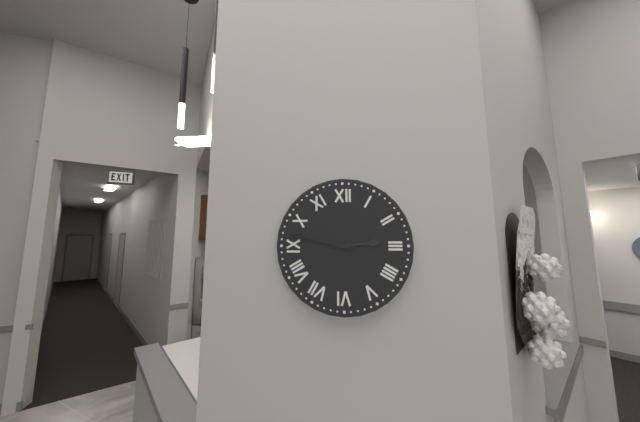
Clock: 2 h 47 min
